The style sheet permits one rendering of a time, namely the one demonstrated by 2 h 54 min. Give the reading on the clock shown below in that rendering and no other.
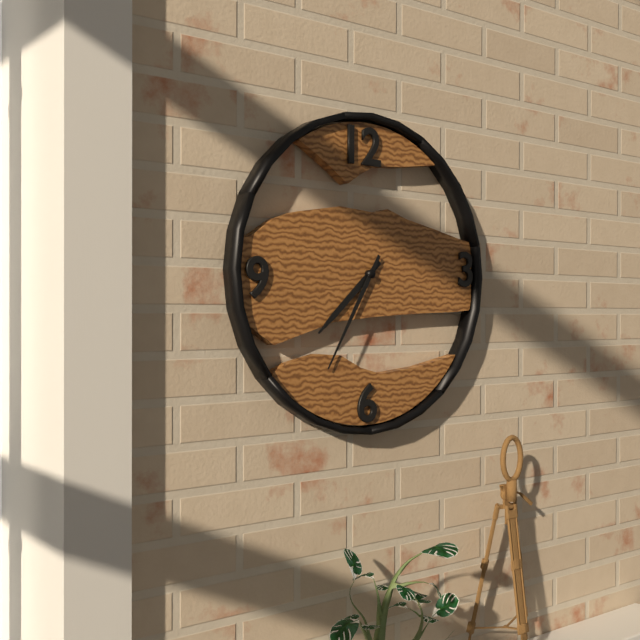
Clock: 7 h 35 min
